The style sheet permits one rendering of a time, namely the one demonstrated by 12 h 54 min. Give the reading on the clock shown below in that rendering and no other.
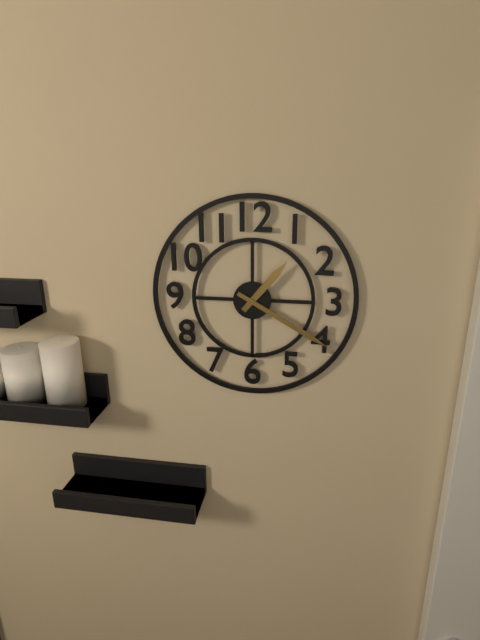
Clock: 1 h 20 min
